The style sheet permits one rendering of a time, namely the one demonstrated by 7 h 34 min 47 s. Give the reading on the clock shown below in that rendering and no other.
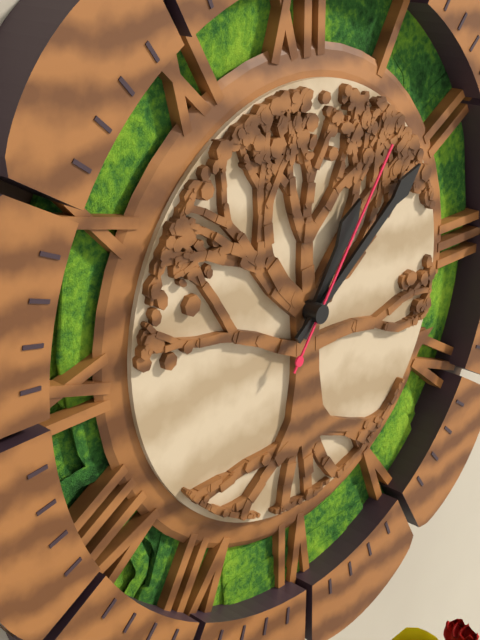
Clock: 1 h 09 min 06 s
